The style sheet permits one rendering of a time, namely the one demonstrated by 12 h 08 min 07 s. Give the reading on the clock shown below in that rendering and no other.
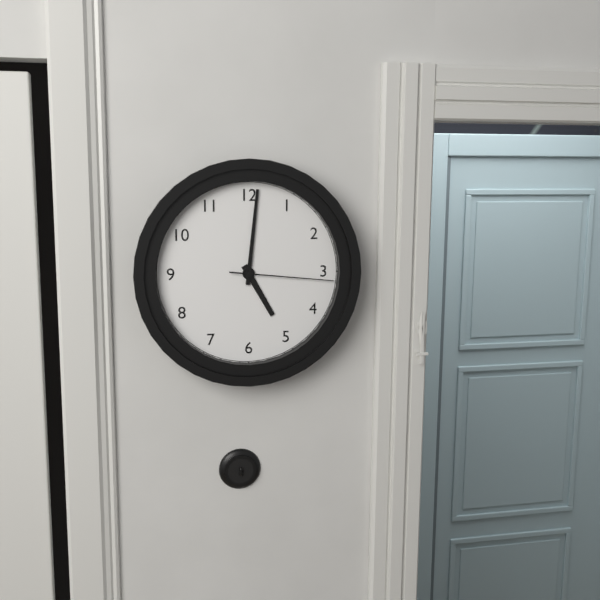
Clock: 5 h 01 min 16 s
